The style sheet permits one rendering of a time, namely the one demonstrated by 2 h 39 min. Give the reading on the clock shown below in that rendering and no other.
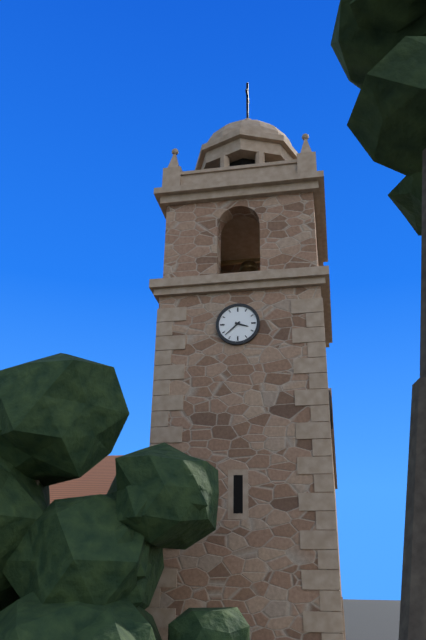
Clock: 3 h 38 min
